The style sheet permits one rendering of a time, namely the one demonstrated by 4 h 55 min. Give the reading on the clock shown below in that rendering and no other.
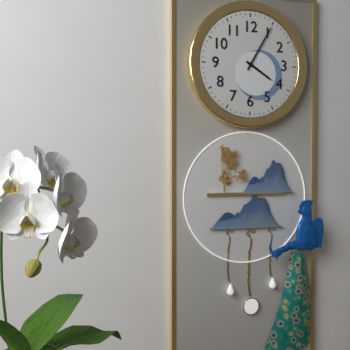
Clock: 4 h 05 min
